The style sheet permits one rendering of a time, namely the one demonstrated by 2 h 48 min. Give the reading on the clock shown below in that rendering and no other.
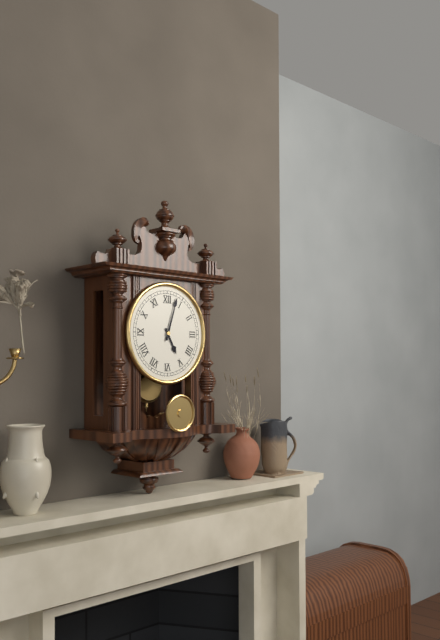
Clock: 5 h 03 min
